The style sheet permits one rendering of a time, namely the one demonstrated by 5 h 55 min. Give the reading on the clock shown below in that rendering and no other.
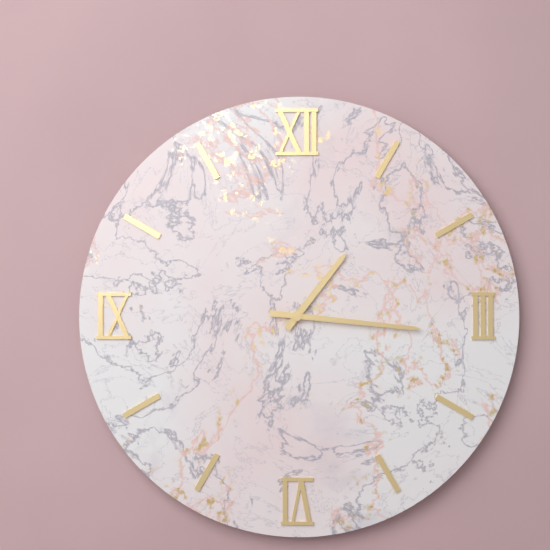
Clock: 1 h 16 min
